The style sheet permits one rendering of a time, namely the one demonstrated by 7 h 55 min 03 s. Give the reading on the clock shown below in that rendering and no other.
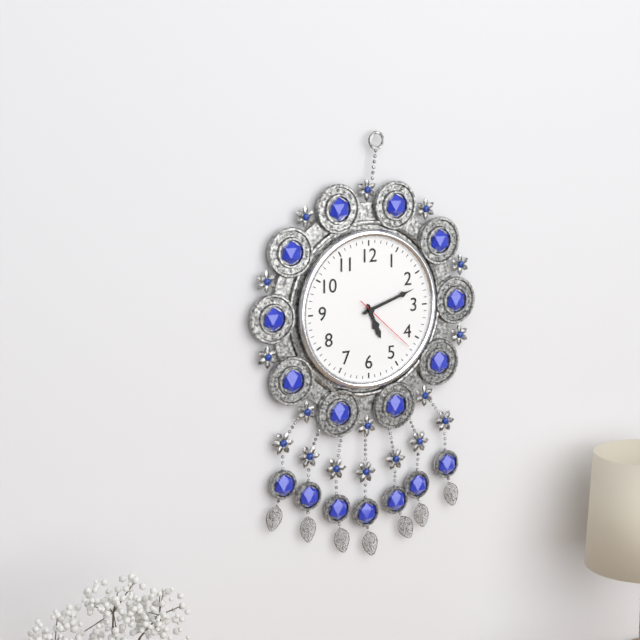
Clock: 5 h 12 min 22 s
